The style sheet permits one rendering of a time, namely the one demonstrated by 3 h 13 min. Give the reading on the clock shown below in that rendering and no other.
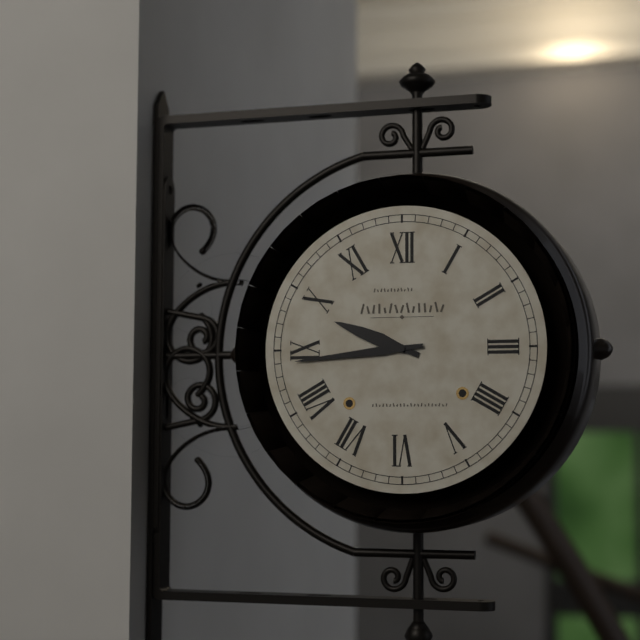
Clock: 9 h 44 min
